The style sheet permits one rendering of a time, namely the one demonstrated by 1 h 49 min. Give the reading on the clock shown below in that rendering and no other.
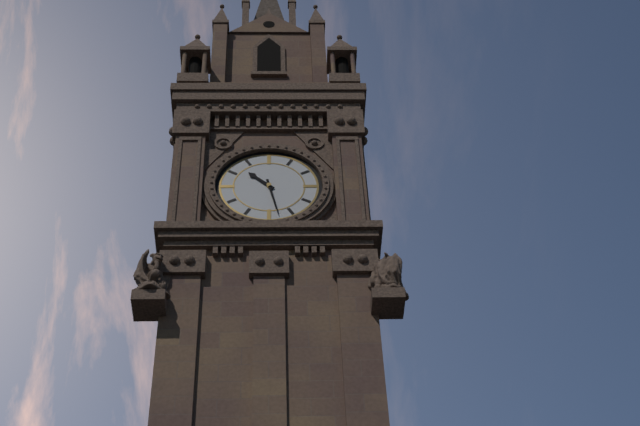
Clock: 10 h 28 min
